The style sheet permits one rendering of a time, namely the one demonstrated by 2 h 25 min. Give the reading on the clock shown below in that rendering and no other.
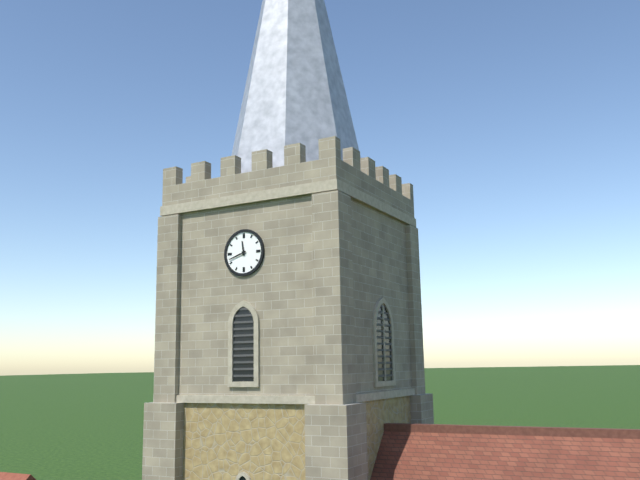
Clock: 11 h 42 min
